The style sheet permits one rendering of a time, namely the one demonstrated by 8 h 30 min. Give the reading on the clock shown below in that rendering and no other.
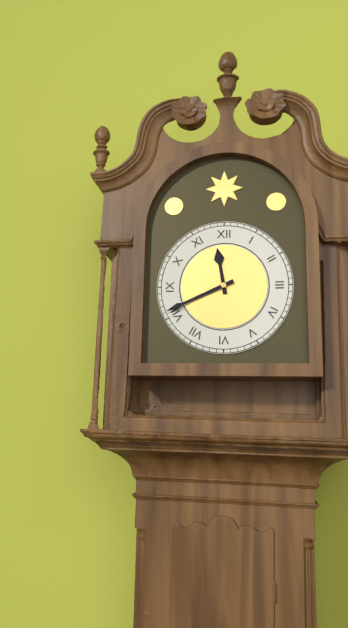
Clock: 11 h 41 min
